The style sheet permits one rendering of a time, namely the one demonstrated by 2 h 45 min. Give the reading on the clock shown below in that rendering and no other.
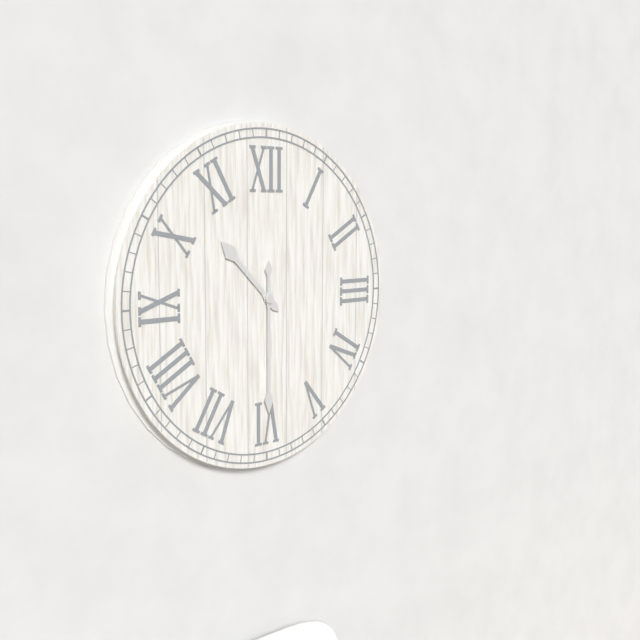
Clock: 10 h 30 min
